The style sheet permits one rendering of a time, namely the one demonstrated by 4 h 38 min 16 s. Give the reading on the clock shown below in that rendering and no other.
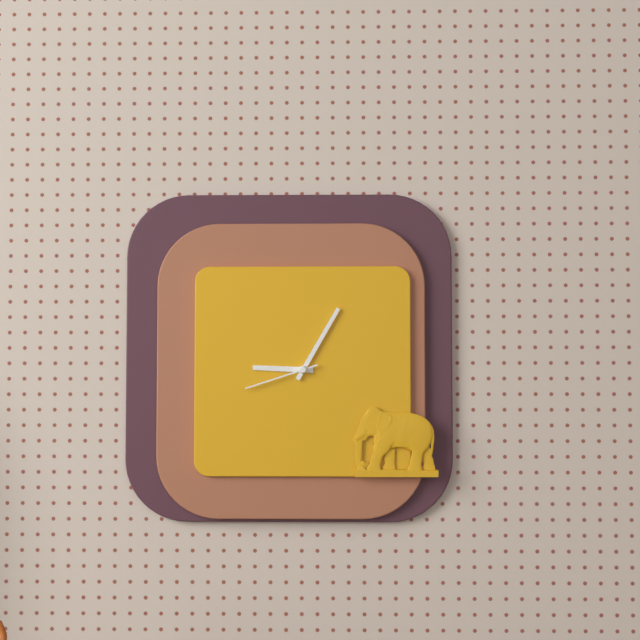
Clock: 9 h 05 min 42 s
